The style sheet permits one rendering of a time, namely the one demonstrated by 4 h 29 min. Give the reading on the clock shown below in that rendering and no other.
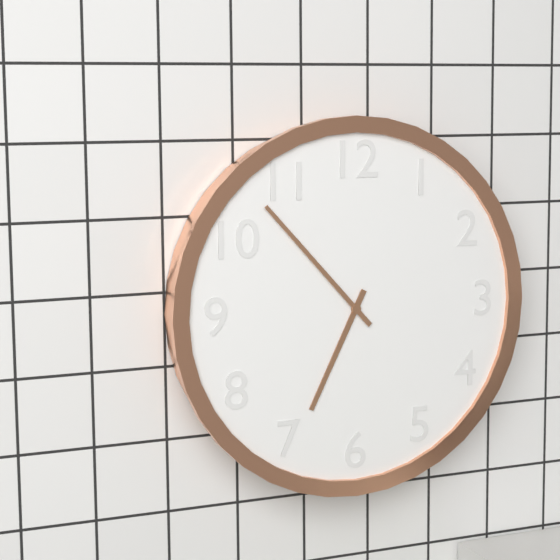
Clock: 6 h 53 min
